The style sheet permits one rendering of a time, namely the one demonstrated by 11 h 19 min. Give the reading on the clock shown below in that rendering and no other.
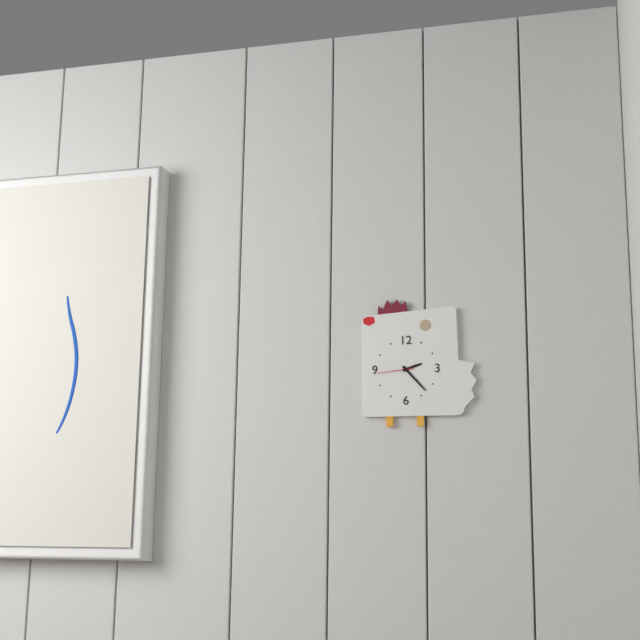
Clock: 2 h 23 min
